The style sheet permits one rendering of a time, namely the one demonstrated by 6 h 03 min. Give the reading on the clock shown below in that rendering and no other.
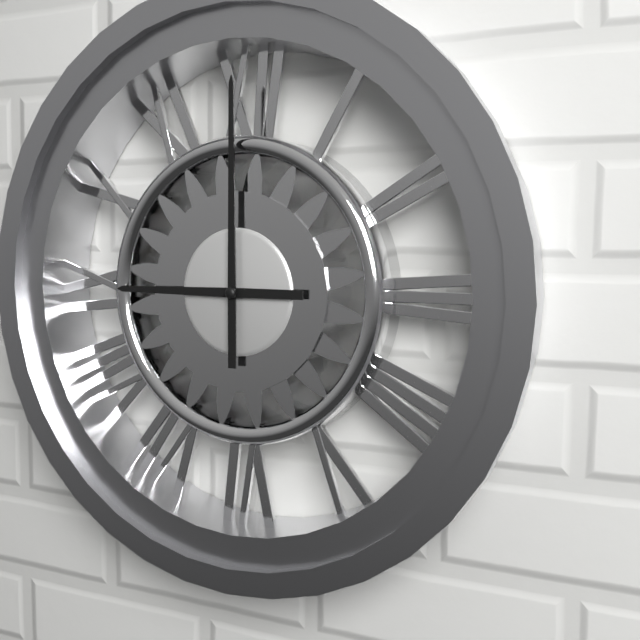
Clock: 9 h 00 min
